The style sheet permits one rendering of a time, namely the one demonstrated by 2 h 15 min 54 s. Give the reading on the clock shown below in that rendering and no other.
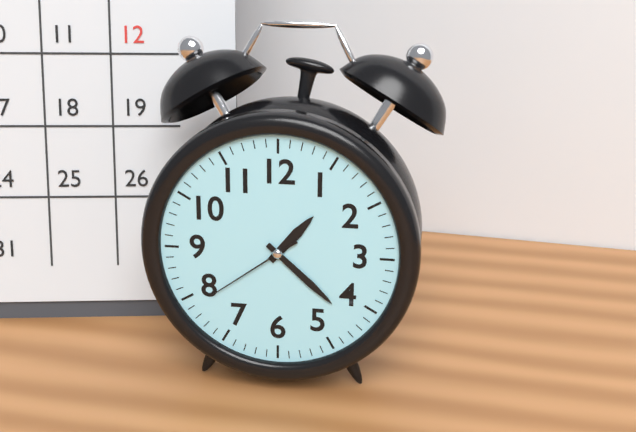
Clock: 1 h 22 min 39 s
